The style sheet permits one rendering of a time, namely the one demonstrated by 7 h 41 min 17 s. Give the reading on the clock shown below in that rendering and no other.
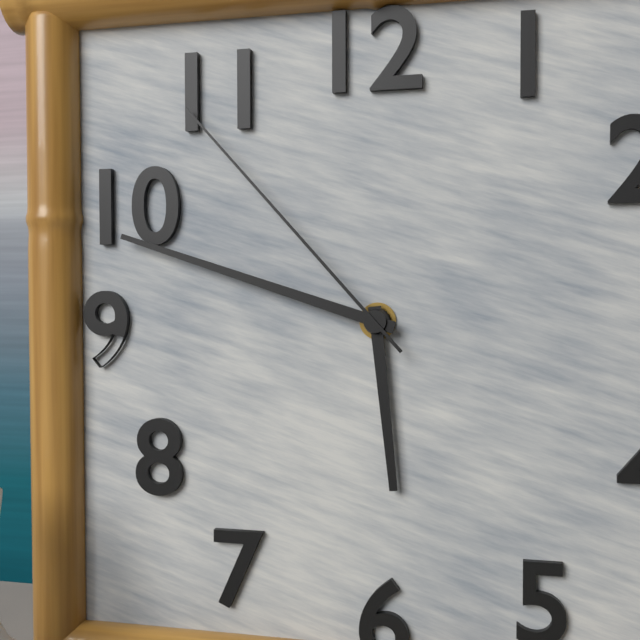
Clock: 5 h 48 min 53 s
